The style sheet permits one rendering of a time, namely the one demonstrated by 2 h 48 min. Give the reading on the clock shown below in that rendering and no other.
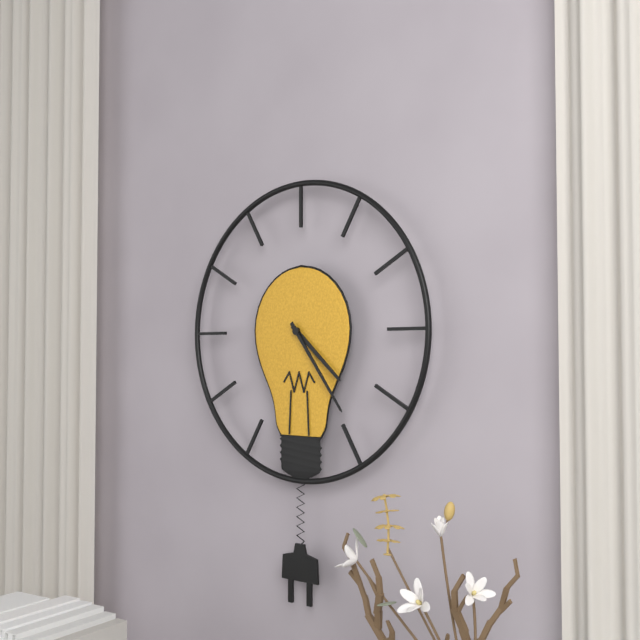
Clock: 4 h 24 min
